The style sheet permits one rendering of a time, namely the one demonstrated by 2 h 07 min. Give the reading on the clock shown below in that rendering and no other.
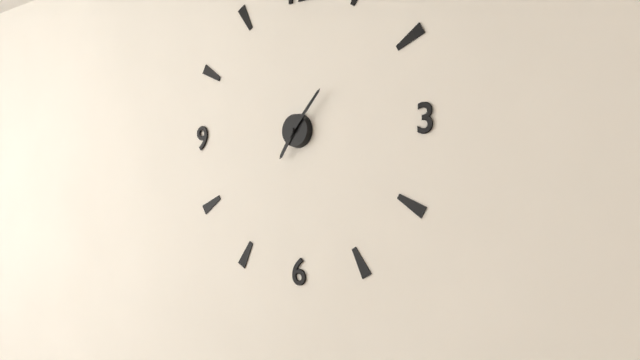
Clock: 7 h 07 min
